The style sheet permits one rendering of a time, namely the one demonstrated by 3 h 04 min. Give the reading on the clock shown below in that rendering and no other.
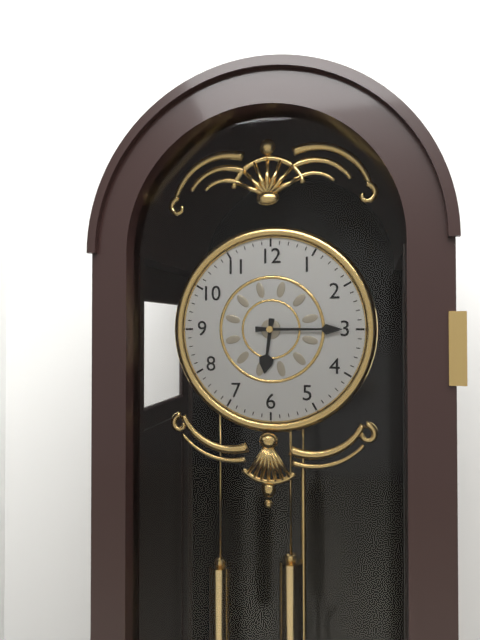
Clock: 6 h 15 min
